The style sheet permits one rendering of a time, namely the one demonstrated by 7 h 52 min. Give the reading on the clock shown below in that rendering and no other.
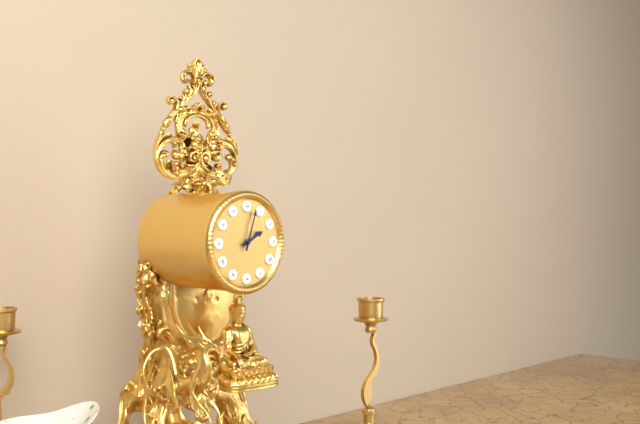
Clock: 2 h 03 min
